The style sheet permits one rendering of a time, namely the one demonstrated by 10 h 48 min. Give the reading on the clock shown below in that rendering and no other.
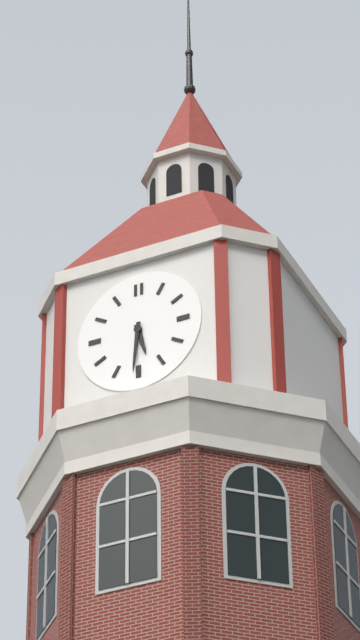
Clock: 5 h 31 min
